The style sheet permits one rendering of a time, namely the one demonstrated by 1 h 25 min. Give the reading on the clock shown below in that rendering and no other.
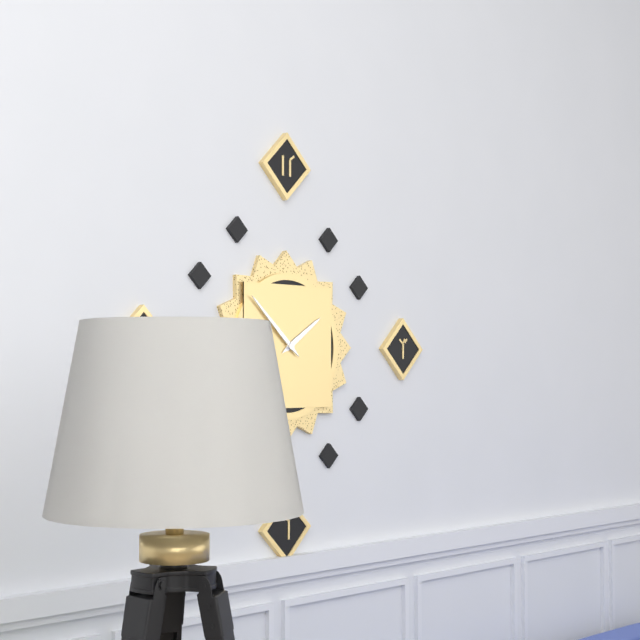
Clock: 1 h 52 min
